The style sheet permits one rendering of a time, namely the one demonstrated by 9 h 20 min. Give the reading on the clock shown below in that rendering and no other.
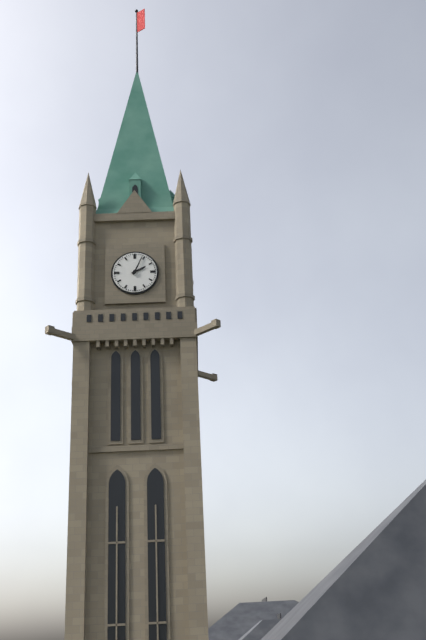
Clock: 2 h 04 min
